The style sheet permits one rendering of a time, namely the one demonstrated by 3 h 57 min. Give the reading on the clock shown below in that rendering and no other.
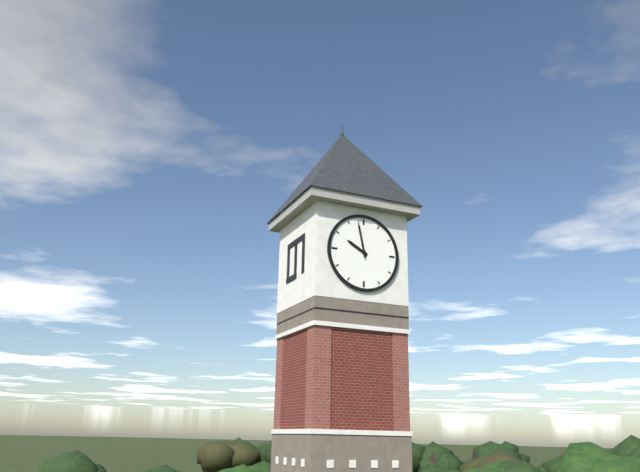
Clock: 9 h 58 min
